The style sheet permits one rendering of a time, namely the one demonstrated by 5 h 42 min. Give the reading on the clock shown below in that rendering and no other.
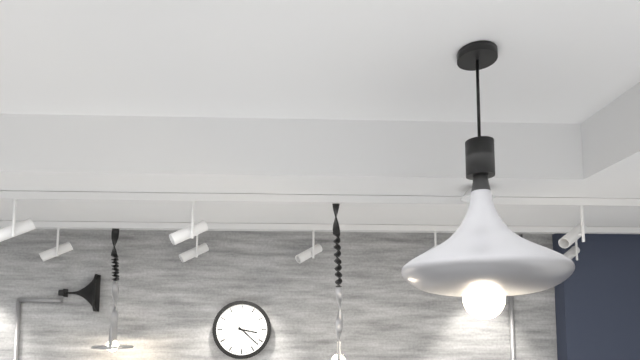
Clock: 3 h 22 min
